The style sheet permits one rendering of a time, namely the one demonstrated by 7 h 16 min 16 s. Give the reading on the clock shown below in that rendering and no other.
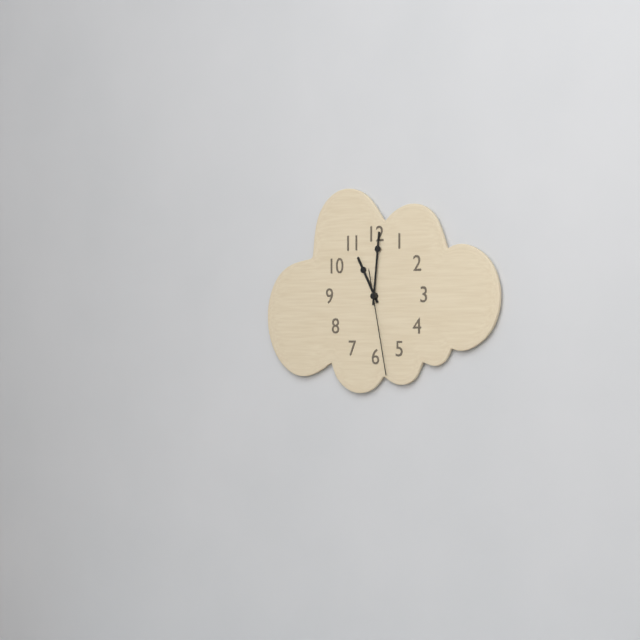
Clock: 11 h 01 min 28 s
